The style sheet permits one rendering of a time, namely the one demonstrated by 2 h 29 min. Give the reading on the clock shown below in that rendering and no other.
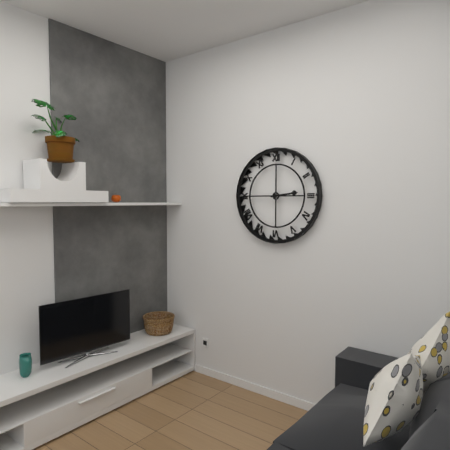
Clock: 2 h 45 min
